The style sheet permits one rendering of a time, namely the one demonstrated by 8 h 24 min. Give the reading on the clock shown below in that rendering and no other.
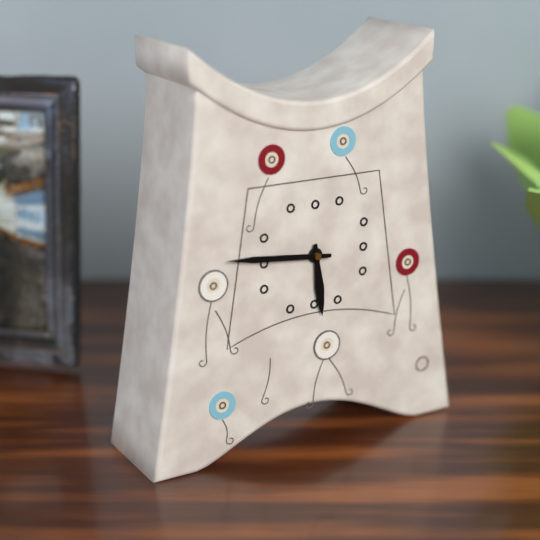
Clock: 5 h 46 min
